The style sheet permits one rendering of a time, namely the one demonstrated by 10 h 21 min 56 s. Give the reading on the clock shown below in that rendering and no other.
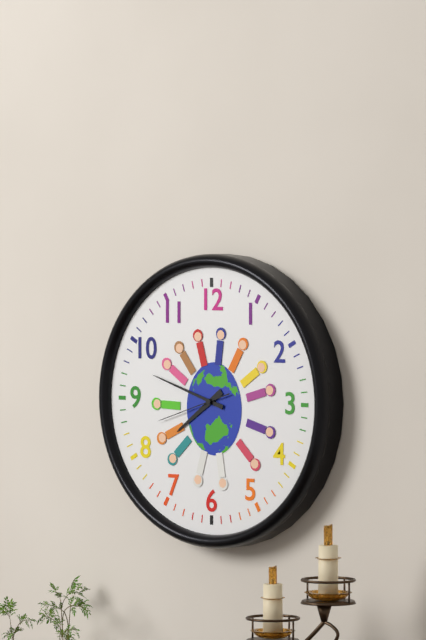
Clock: 7 h 48 min 42 s
